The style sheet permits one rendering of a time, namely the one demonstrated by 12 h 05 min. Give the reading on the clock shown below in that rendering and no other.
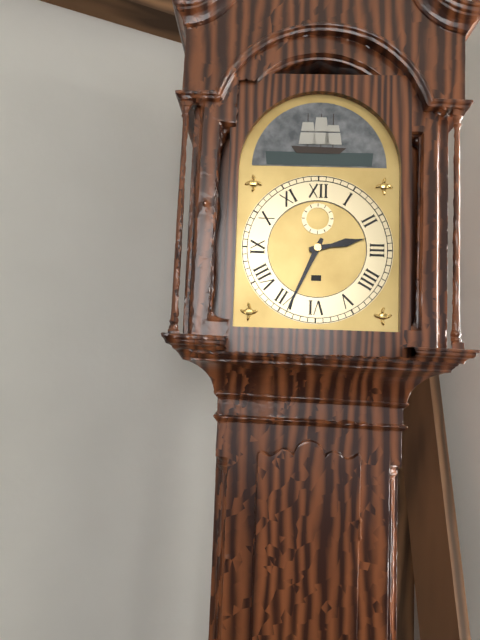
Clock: 2 h 34 min
